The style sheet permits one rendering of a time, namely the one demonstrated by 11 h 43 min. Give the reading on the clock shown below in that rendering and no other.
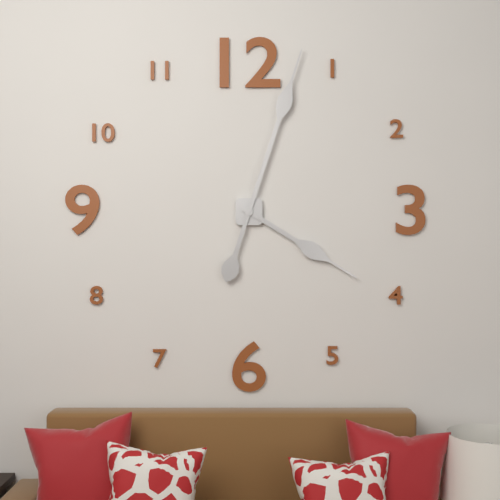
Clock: 4 h 03 min
